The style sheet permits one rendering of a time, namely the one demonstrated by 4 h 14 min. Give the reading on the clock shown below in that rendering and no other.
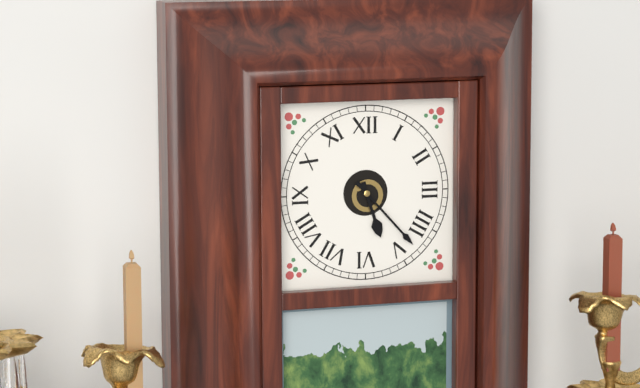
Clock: 5 h 23 min
